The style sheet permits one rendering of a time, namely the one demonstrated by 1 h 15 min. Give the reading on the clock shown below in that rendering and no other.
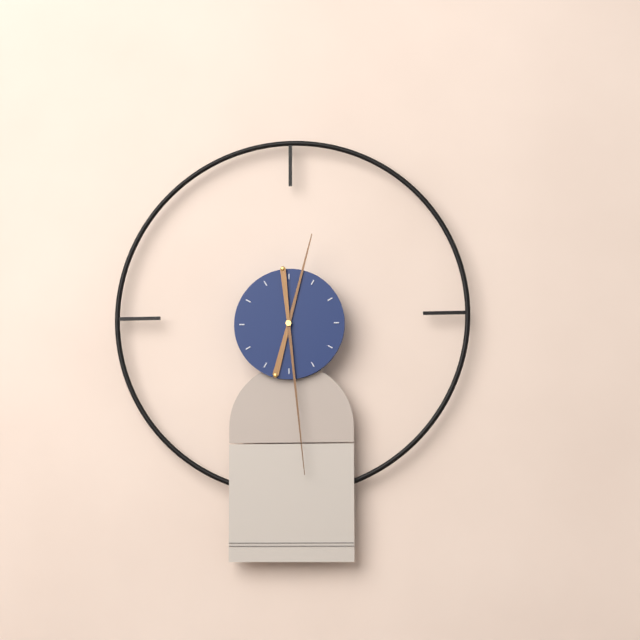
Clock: 12 h 29 min
